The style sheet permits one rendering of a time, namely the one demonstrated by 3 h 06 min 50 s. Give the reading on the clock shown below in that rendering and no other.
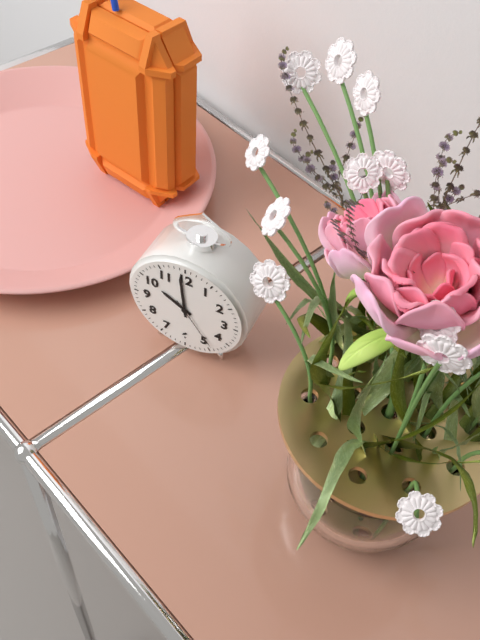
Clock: 9 h 59 min 24 s
